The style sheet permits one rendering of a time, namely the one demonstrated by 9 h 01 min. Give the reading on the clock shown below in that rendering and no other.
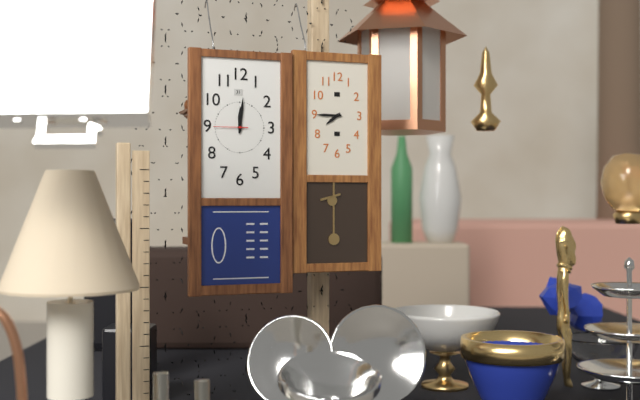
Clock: 12 h 01 min
